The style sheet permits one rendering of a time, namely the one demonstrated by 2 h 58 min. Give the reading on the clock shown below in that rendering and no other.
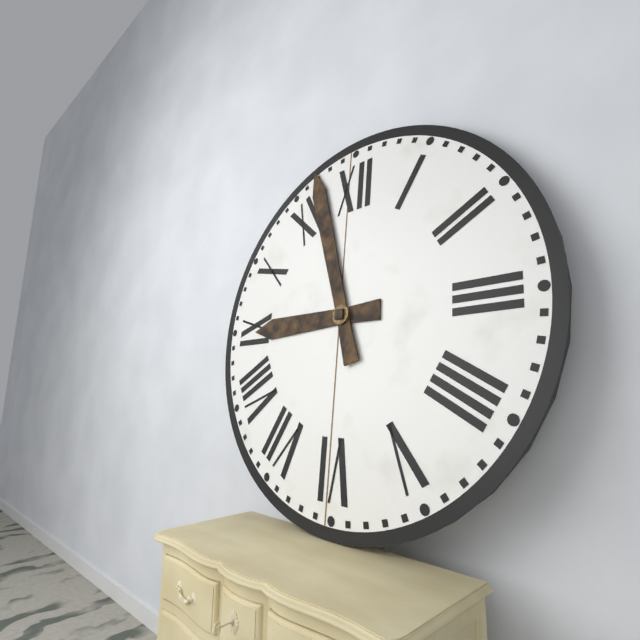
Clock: 8 h 57 min
